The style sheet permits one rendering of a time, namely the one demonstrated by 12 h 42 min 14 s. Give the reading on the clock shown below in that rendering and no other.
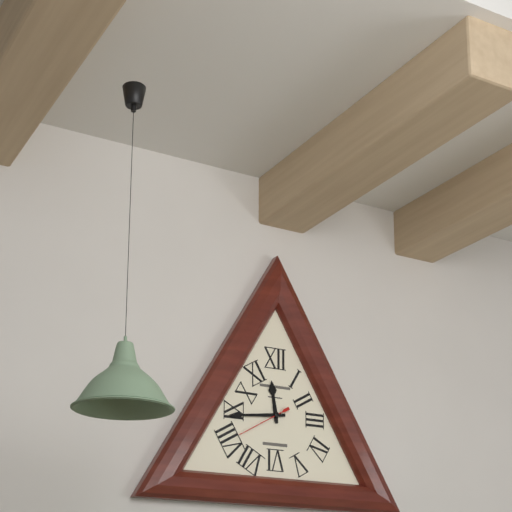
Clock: 11 h 44 min 40 s
